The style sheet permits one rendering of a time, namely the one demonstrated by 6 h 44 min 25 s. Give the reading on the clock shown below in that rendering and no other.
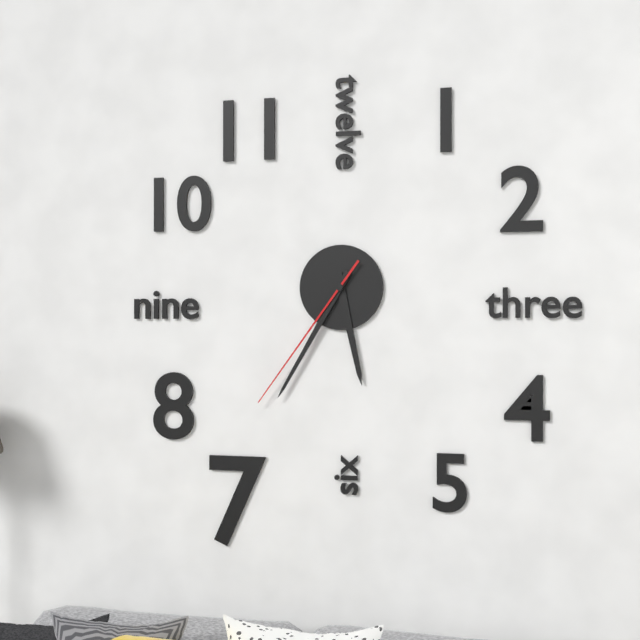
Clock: 5 h 35 min 36 s
